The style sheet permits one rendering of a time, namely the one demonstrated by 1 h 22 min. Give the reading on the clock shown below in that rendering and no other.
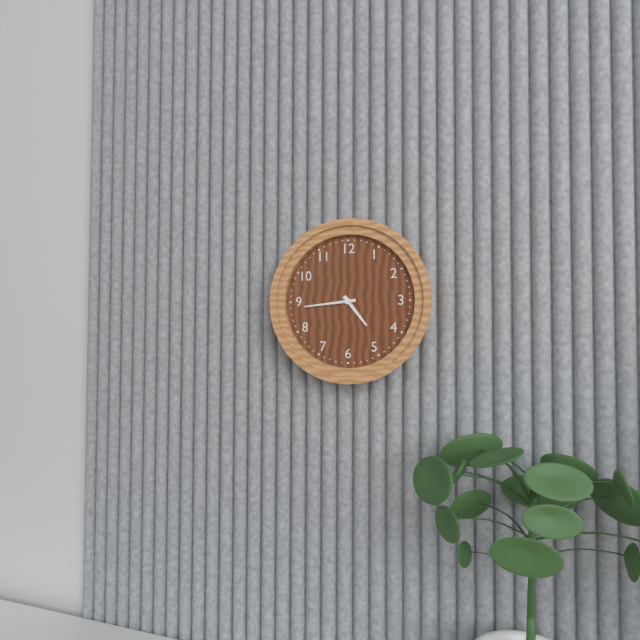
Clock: 4 h 44 min
